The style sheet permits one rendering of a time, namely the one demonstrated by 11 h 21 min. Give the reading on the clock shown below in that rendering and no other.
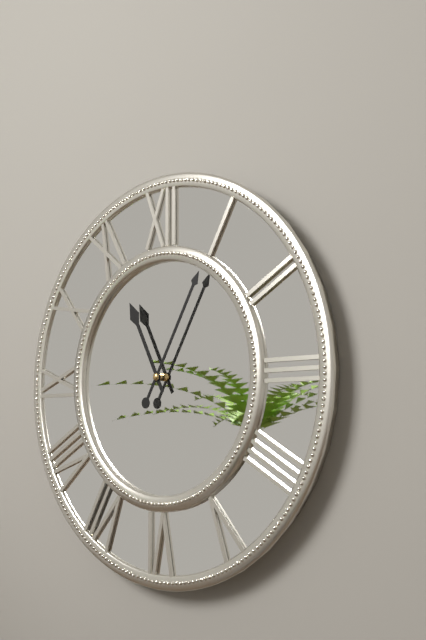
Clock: 11 h 05 min
